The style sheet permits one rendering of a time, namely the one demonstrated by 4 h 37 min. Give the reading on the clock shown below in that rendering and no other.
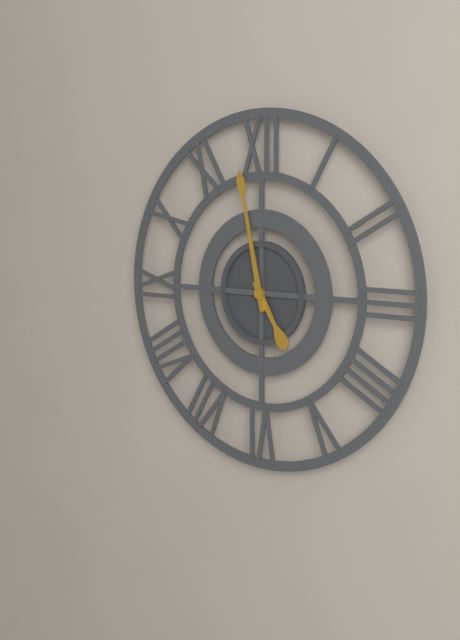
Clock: 4 h 58 min
